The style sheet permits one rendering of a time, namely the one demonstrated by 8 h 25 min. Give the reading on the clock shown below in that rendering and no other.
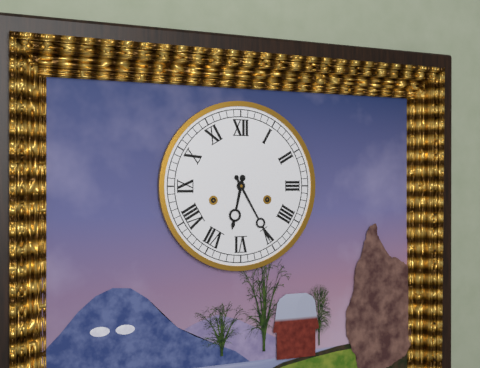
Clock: 6 h 25 min
